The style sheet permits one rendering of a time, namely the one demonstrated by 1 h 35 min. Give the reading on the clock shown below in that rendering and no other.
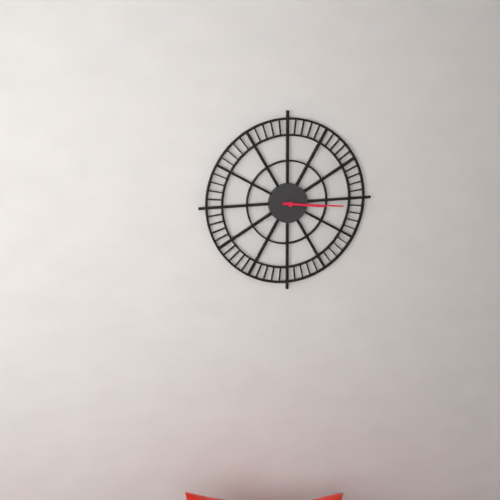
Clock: 3 h 16 min
